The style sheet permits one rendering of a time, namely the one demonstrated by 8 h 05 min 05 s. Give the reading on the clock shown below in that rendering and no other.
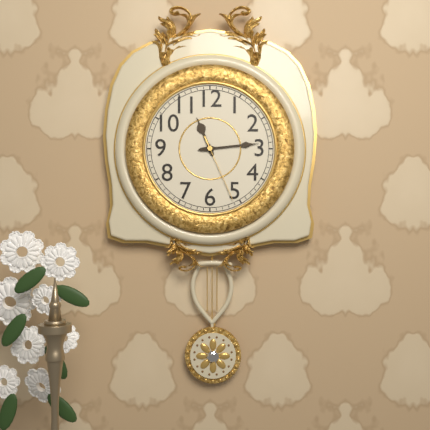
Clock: 11 h 14 min 26 s
